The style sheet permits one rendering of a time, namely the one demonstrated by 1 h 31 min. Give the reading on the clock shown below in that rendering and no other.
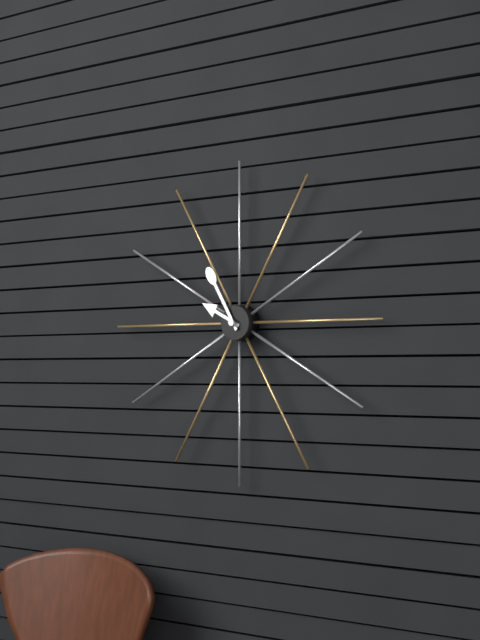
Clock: 9 h 55 min
